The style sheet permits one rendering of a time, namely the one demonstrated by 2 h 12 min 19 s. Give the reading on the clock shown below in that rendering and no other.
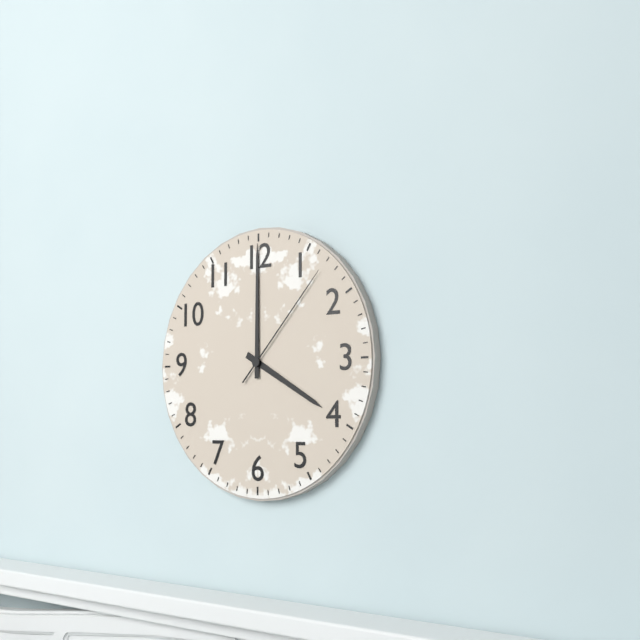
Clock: 4 h 00 min 07 s
